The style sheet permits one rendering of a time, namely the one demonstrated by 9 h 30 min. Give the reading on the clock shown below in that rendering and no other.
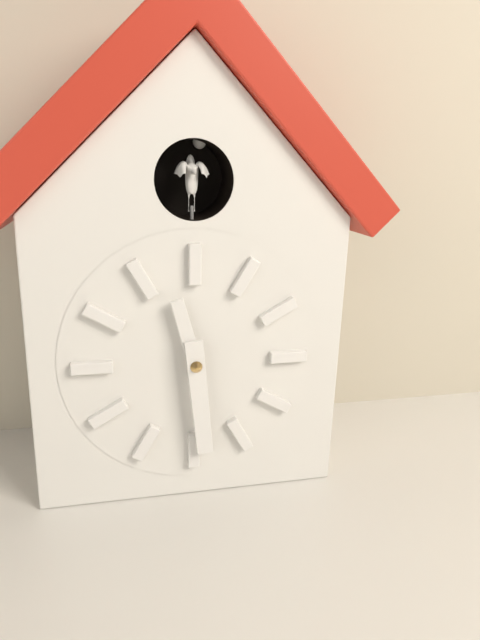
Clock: 11 h 29 min
